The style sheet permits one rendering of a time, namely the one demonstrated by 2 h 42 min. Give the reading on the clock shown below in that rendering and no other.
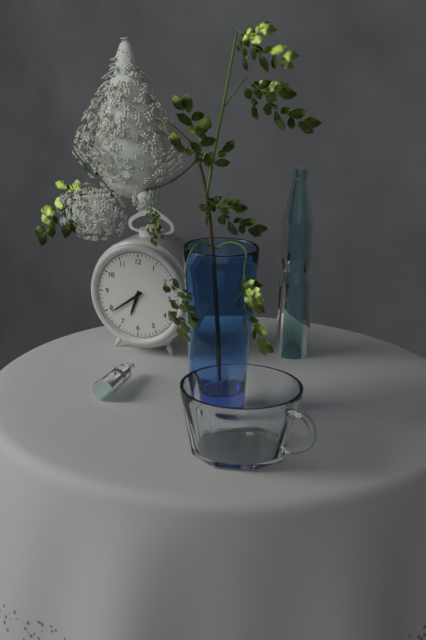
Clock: 6 h 39 min
